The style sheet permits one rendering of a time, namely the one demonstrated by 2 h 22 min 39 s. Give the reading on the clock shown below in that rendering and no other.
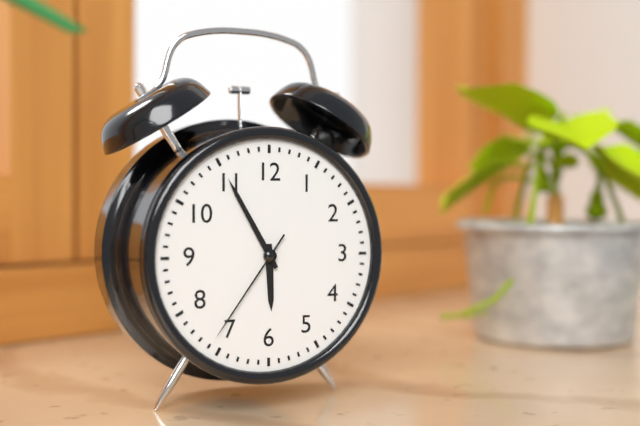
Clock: 5 h 55 min 36 s
